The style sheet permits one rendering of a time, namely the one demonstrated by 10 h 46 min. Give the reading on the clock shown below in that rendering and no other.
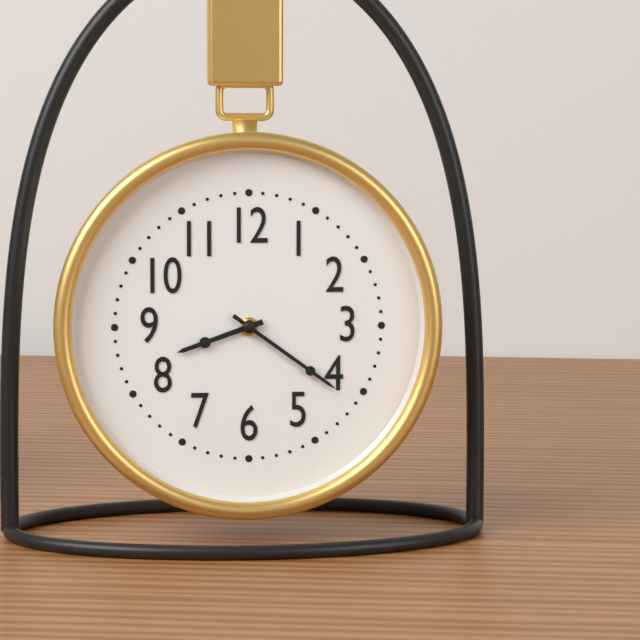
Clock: 8 h 21 min
